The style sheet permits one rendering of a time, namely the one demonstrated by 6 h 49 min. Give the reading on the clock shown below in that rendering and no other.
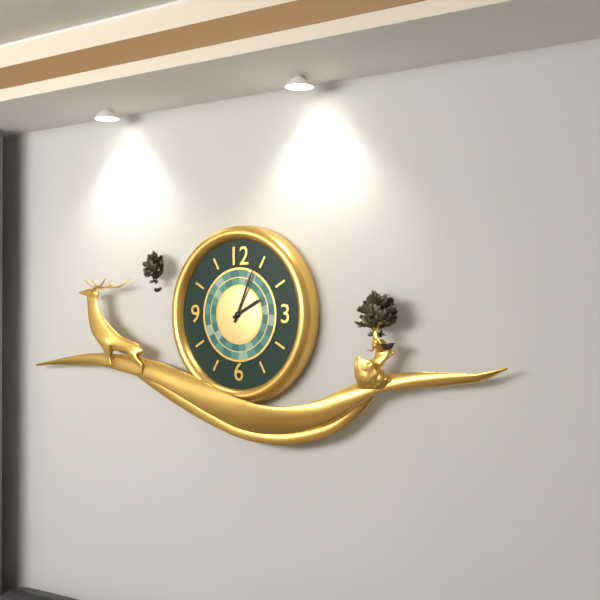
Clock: 2 h 04 min
